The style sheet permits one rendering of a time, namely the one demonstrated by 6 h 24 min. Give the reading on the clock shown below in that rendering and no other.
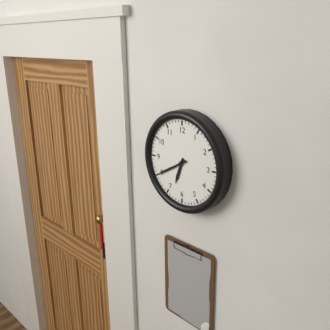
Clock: 6 h 40 min
